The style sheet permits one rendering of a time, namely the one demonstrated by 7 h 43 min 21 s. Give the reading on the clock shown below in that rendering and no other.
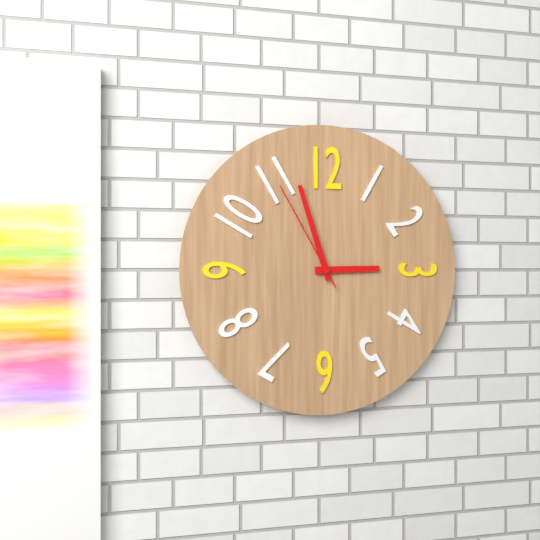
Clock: 2 h 57 min 55 s
